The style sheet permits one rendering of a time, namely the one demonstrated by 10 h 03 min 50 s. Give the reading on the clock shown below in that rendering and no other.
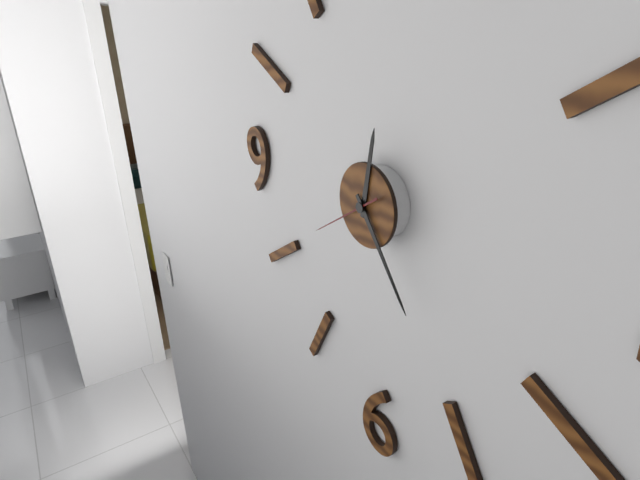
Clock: 12 h 24 min 40 s
